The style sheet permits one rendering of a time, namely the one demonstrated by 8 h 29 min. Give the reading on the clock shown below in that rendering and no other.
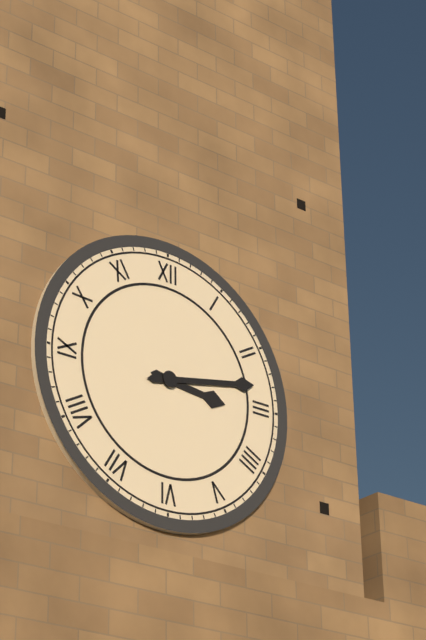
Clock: 3 h 13 min
